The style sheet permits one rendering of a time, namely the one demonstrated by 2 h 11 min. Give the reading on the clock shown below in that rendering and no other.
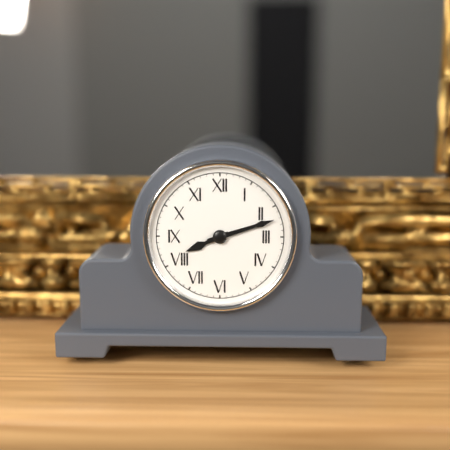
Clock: 8 h 12 min
